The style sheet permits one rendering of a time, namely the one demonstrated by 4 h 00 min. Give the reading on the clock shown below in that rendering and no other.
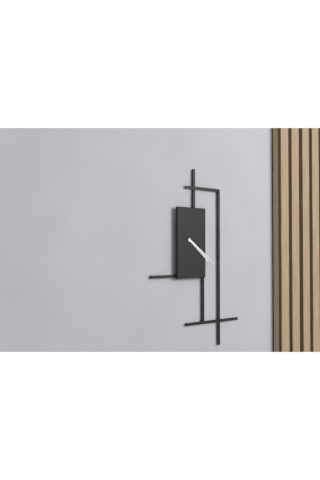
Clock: 4 h 21 min
